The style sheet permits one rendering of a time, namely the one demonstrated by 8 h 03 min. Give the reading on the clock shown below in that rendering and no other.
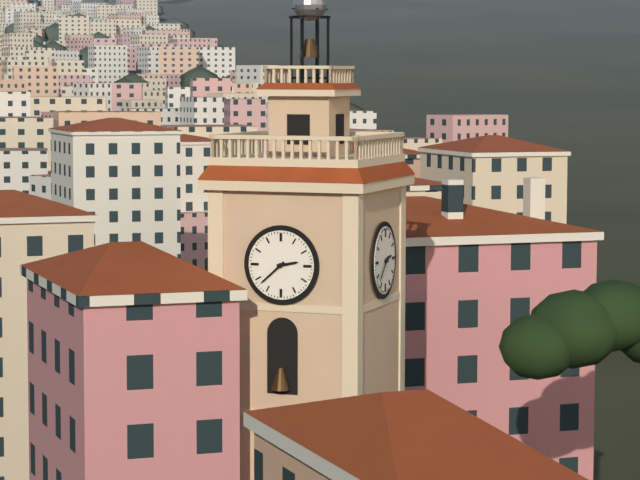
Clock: 2 h 38 min
